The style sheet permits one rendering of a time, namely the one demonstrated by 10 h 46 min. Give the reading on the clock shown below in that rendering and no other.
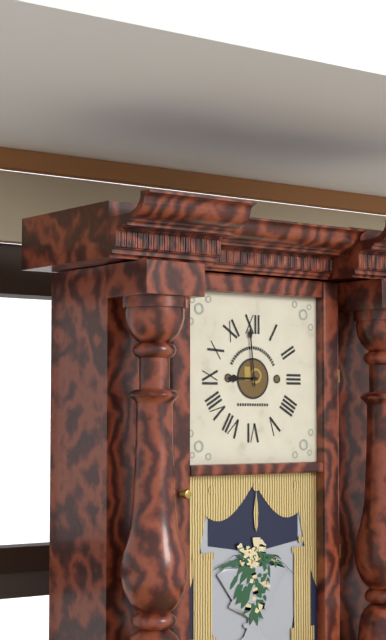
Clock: 8 h 59 min
